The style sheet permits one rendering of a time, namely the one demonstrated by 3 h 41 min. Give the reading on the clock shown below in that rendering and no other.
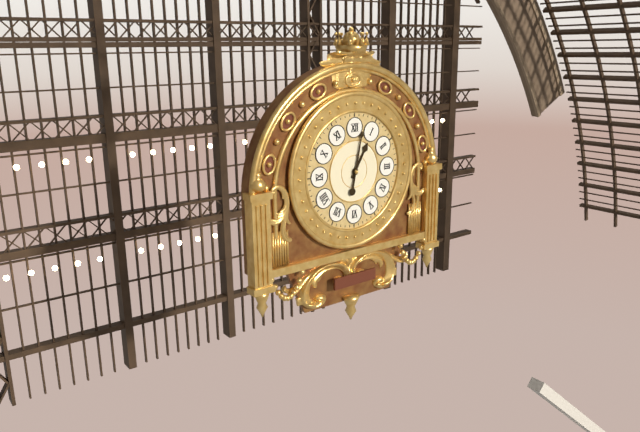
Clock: 1 h 02 min
